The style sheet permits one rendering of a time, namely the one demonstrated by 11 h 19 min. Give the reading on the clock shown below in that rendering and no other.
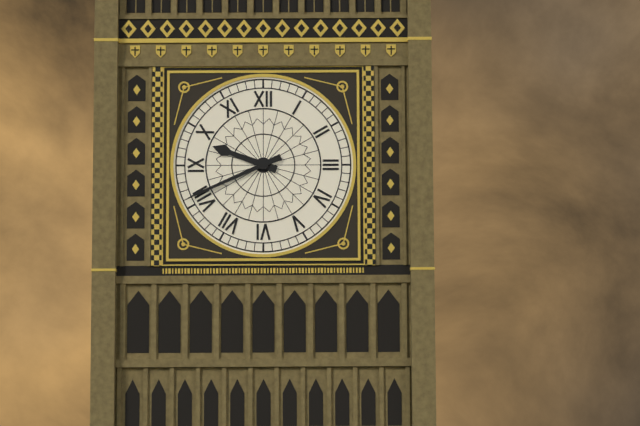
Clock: 9 h 41 min
